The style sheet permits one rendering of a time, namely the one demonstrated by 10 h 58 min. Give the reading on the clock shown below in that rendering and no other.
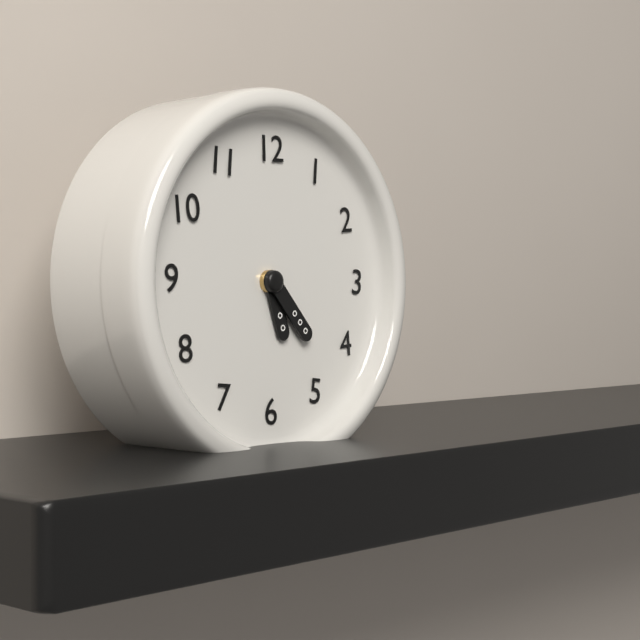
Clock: 5 h 23 min
